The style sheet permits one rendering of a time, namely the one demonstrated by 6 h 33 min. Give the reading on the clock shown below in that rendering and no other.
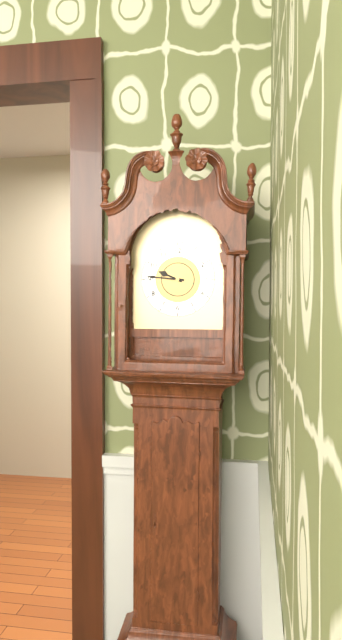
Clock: 9 h 46 min
